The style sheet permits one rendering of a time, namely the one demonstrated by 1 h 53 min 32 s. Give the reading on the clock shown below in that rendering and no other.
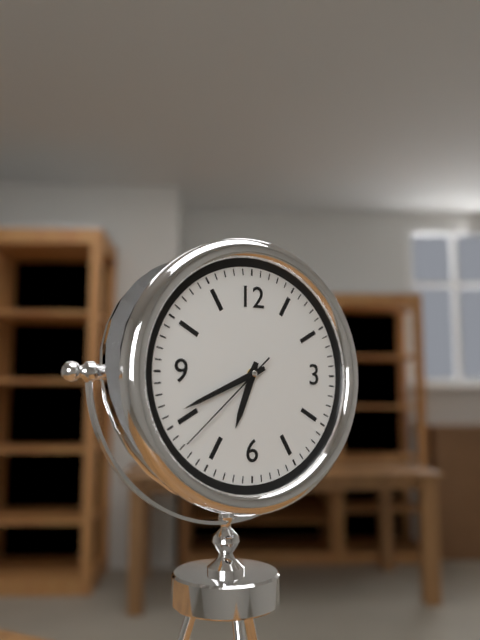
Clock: 6 h 41 min 38 s
